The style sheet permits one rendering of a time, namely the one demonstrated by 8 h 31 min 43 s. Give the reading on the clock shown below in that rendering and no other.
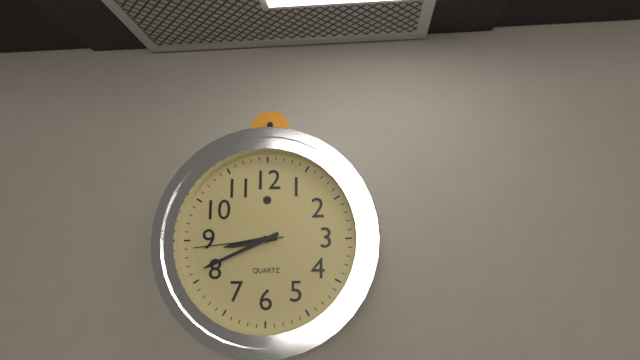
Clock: 8 h 41 min 44 s
